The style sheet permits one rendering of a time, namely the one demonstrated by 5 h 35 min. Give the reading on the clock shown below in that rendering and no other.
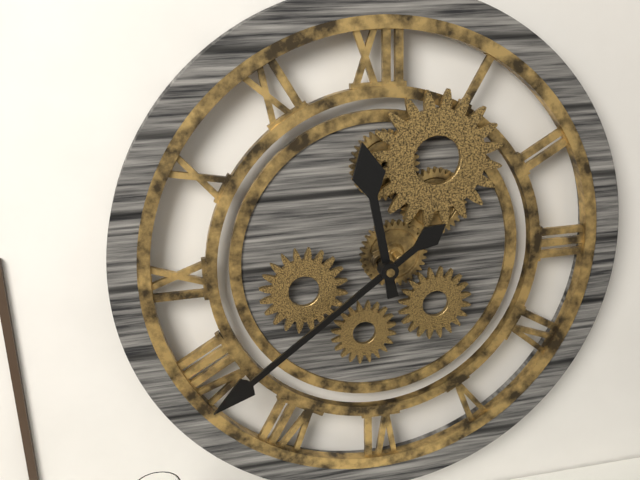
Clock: 11 h 39 min
